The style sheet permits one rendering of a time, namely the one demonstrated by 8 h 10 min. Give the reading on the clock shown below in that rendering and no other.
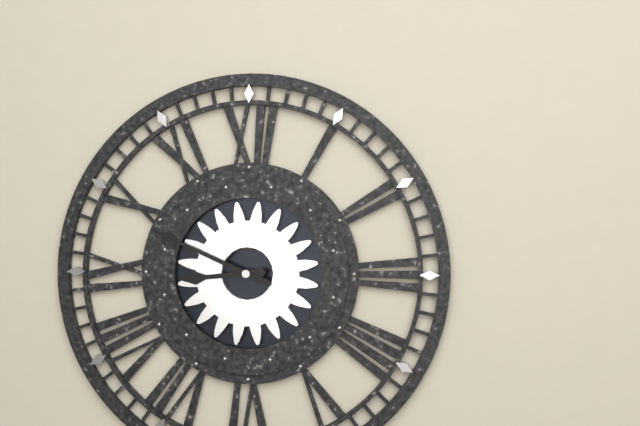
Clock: 8 h 49 min
